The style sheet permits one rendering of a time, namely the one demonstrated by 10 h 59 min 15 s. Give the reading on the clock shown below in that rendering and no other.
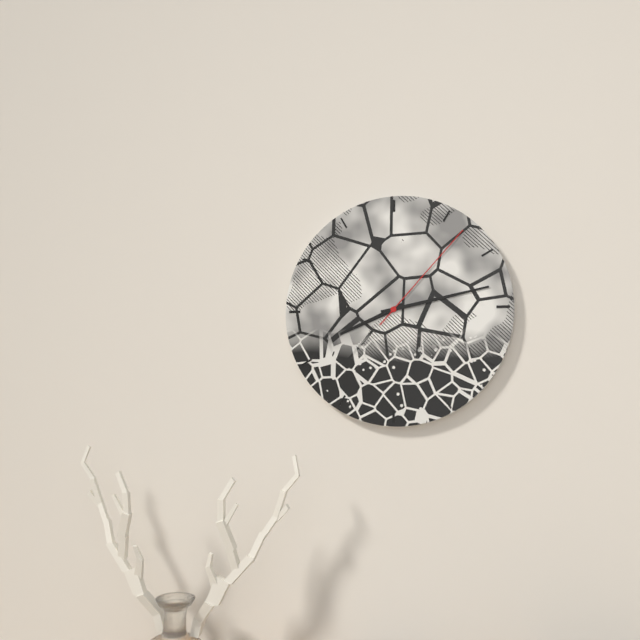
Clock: 8 h 13 min 07 s
